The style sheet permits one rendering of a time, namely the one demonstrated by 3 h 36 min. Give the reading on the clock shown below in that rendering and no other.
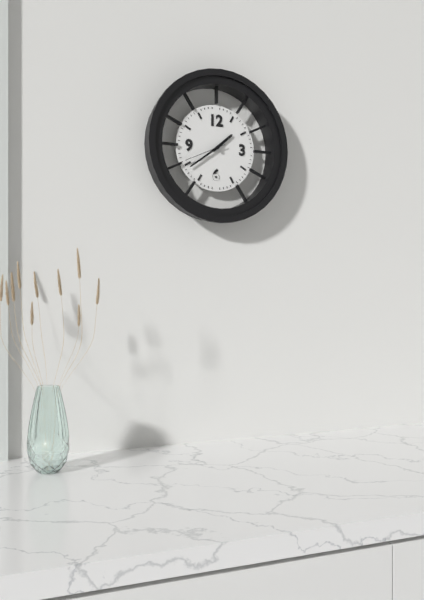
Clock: 1 h 39 min
